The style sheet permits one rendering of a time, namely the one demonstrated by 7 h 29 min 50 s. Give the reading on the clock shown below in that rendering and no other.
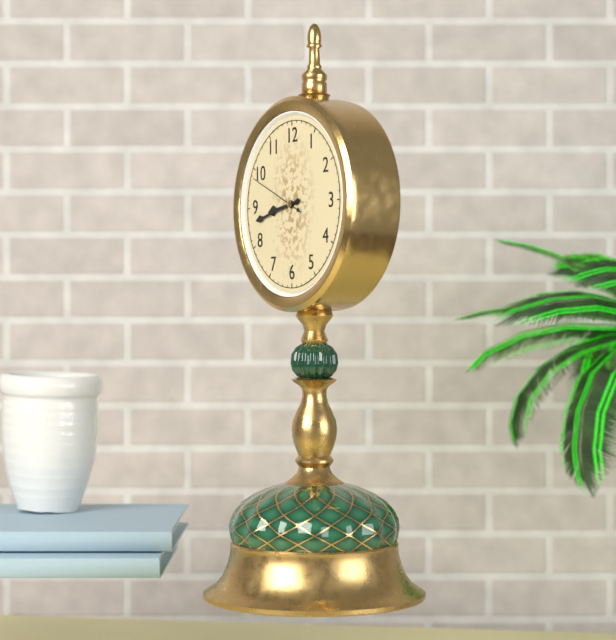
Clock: 8 h 43 min 49 s
